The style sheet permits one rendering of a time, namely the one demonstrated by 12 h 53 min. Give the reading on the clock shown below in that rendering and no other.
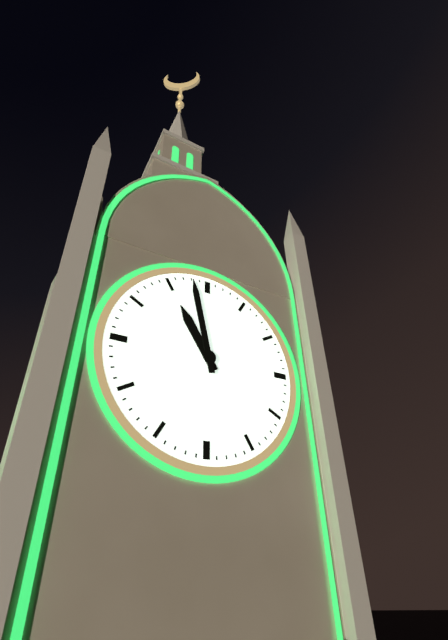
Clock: 10 h 58 min
